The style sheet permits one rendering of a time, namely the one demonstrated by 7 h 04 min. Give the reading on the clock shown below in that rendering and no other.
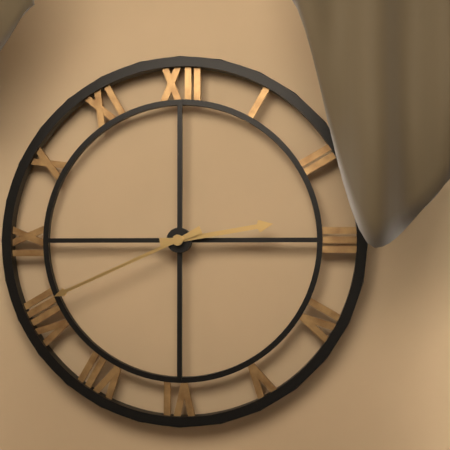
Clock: 2 h 41 min
